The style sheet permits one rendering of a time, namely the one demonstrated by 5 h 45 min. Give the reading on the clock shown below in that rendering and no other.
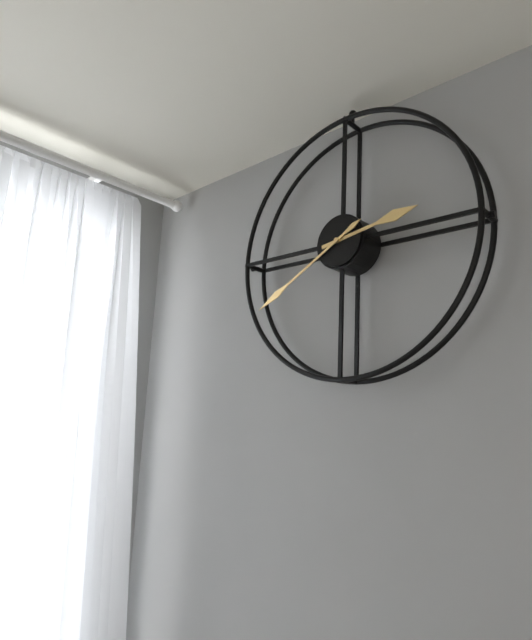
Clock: 2 h 40 min
